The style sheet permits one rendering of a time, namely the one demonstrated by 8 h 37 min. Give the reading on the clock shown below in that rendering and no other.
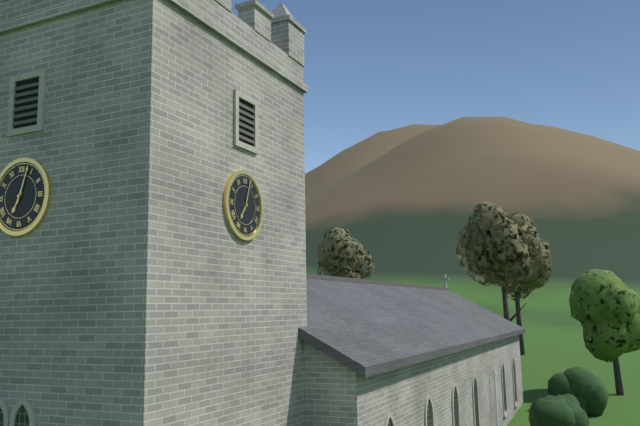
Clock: 7 h 03 min
